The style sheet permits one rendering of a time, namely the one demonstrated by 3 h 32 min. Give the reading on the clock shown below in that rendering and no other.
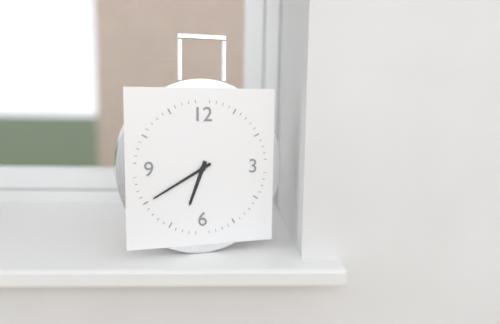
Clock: 6 h 40 min
